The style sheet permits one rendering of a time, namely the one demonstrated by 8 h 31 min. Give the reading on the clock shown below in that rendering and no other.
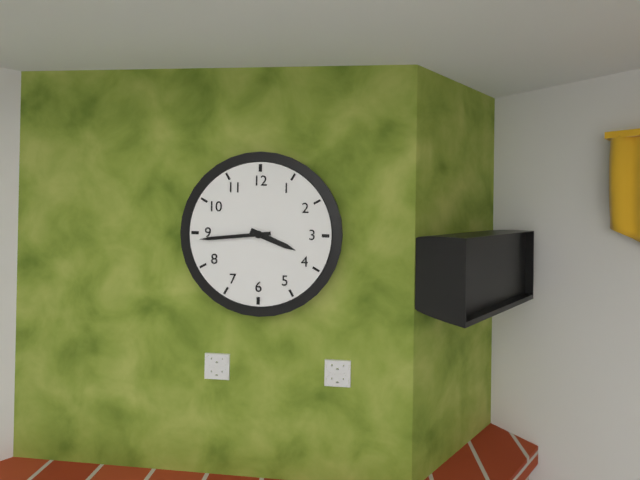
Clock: 3 h 44 min
